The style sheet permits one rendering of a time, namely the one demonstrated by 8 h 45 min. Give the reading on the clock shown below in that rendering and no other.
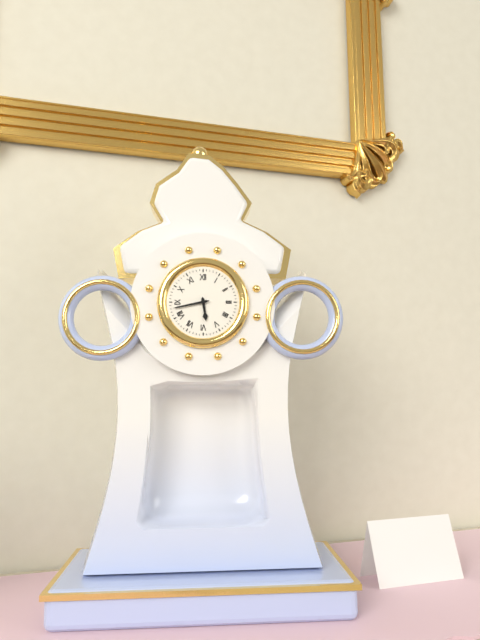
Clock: 5 h 43 min
